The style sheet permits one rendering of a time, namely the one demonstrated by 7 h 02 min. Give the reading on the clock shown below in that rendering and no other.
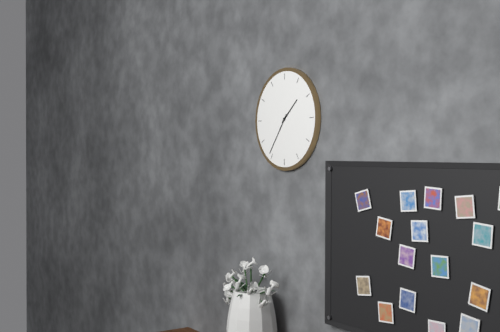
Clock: 1 h 36 min
